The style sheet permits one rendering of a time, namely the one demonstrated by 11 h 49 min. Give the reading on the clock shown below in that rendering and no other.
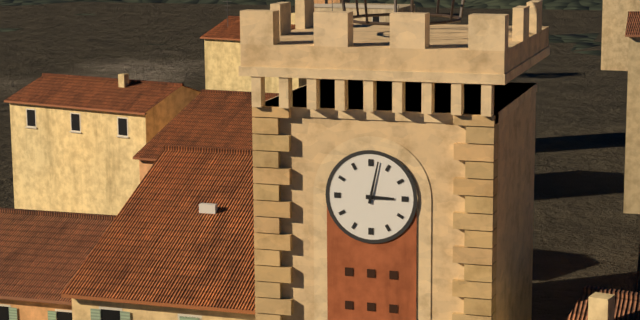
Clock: 3 h 02 min
